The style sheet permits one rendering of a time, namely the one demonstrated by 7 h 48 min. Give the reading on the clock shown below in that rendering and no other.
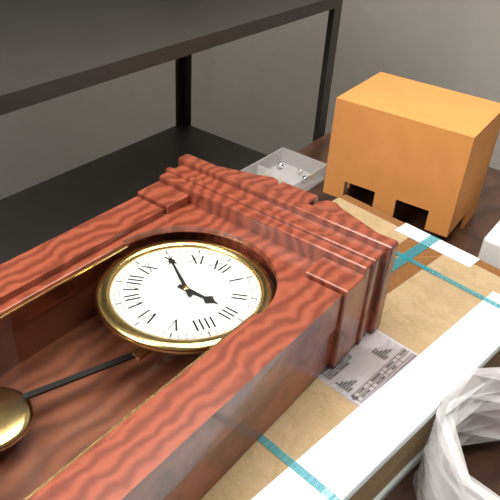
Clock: 2 h 50 min
